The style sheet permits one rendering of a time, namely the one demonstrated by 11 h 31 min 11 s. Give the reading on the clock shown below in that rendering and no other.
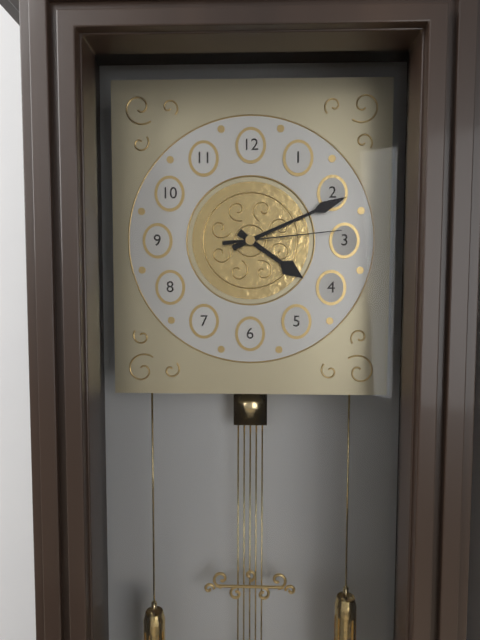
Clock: 4 h 11 min 14 s
